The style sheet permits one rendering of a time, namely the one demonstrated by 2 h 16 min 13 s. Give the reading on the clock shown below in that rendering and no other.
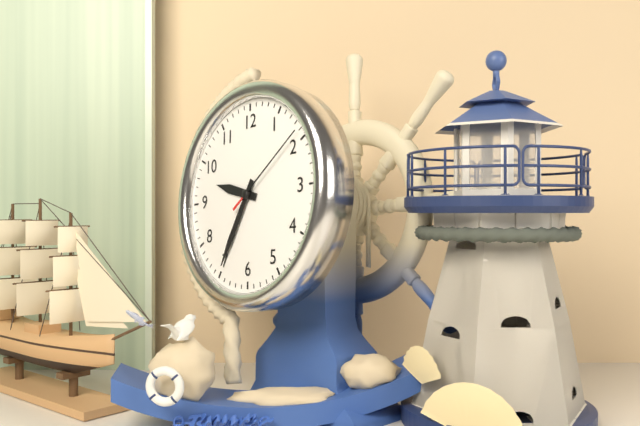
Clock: 9 h 35 min 09 s
